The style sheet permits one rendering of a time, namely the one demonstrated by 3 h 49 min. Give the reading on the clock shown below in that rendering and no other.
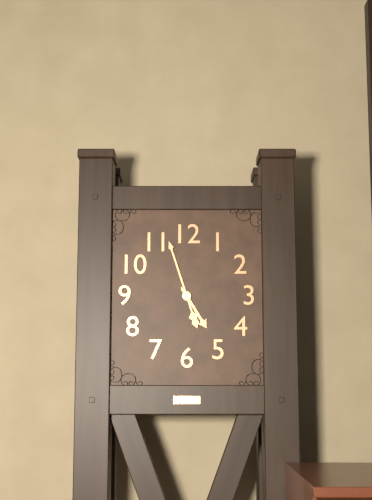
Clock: 4 h 57 min
